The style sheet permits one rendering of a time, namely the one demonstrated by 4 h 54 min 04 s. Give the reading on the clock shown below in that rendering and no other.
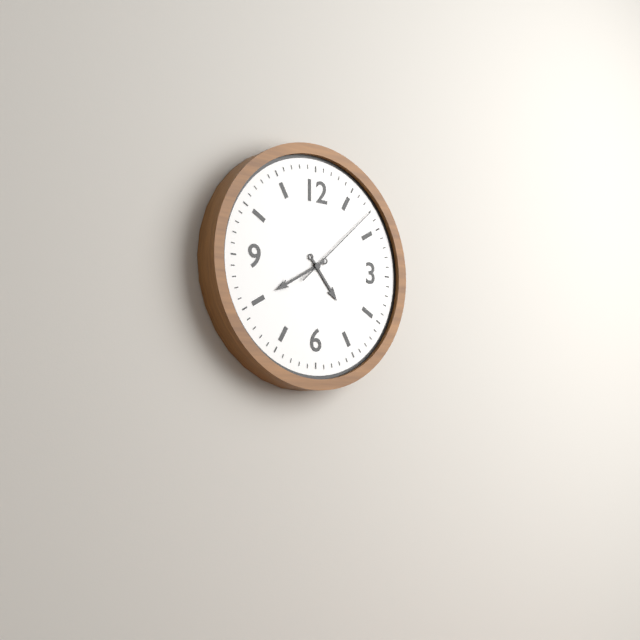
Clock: 4 h 40 min 08 s
